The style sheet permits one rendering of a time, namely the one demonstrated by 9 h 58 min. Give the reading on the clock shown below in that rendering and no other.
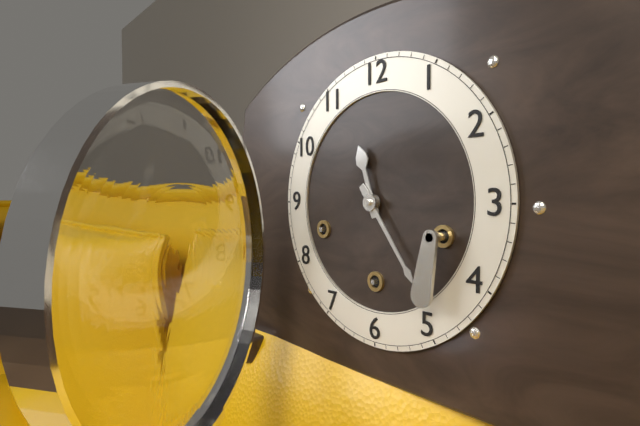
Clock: 11 h 24 min
